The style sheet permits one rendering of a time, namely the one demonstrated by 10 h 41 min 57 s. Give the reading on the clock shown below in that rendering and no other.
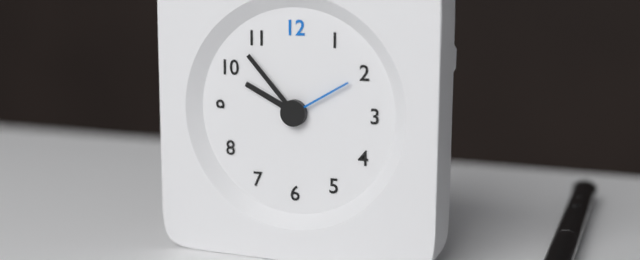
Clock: 9 h 53 min 10 s
